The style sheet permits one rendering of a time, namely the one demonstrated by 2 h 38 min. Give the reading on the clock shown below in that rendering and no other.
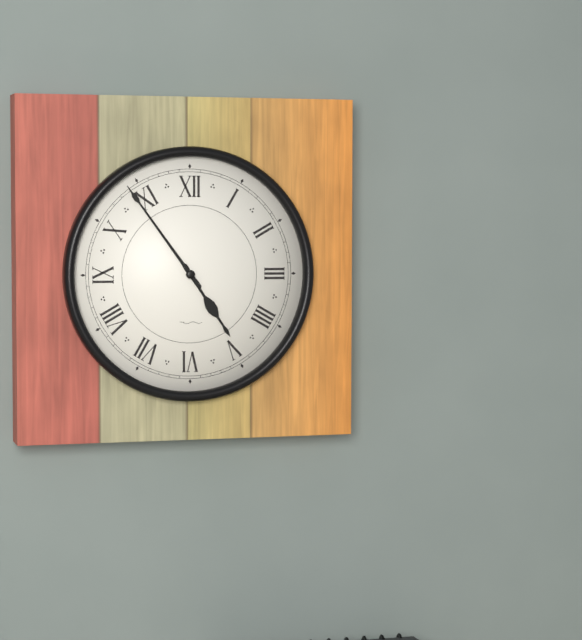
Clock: 4 h 54 min
